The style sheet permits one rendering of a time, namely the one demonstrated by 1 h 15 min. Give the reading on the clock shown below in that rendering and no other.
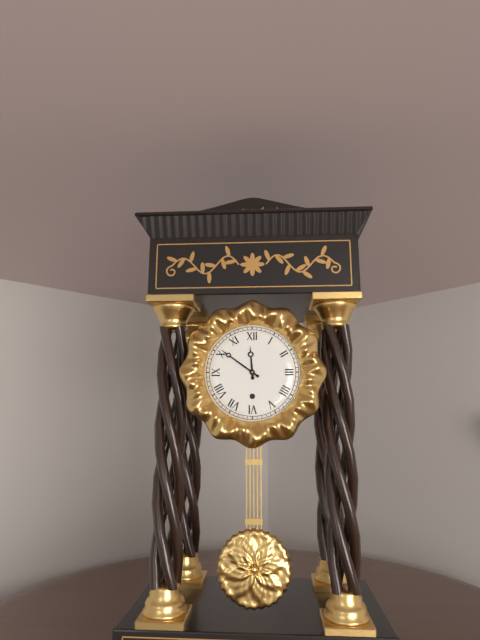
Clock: 11 h 51 min
